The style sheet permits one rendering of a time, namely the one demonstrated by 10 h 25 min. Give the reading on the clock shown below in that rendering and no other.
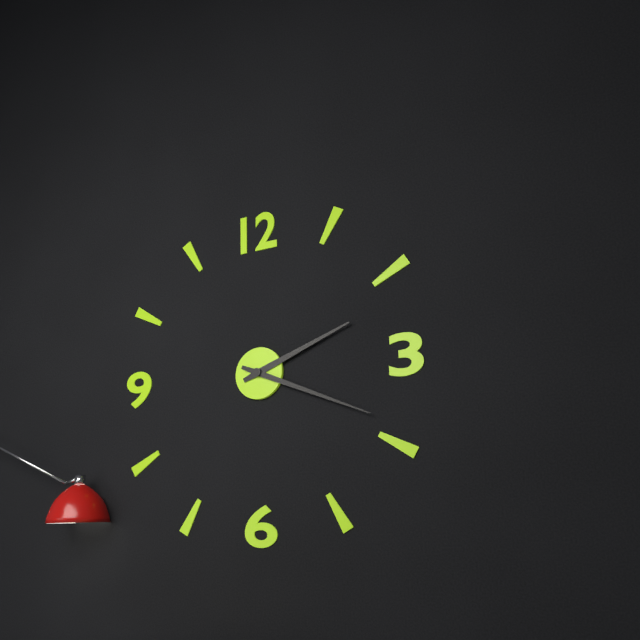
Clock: 2 h 19 min
